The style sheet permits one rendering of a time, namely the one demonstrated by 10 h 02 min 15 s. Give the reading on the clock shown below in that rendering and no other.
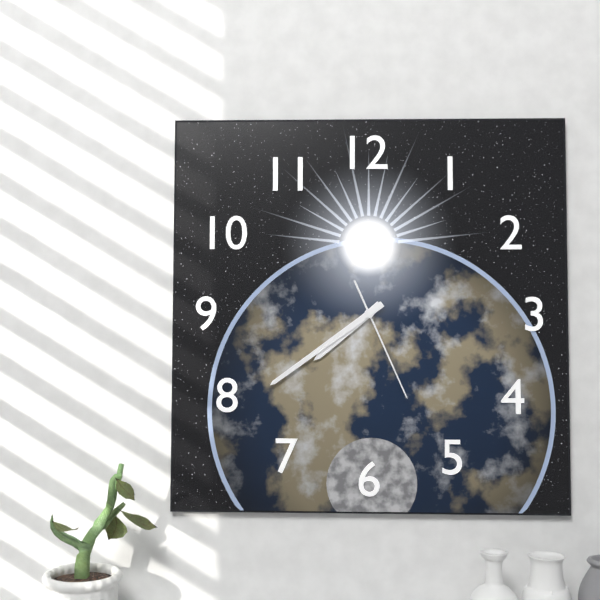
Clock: 7 h 39 min 26 s
